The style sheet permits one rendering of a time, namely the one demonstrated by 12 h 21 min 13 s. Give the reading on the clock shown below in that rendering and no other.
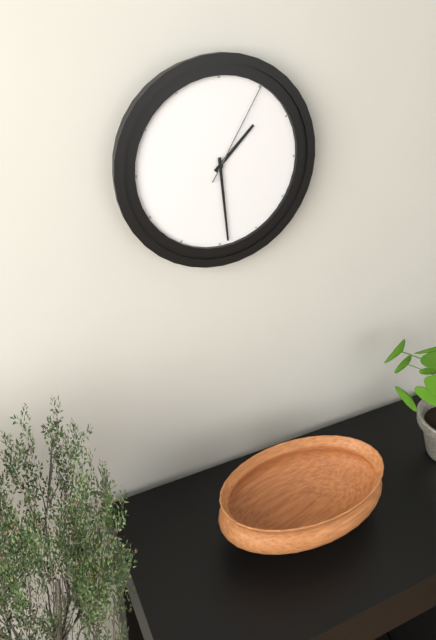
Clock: 1 h 29 min 05 s
